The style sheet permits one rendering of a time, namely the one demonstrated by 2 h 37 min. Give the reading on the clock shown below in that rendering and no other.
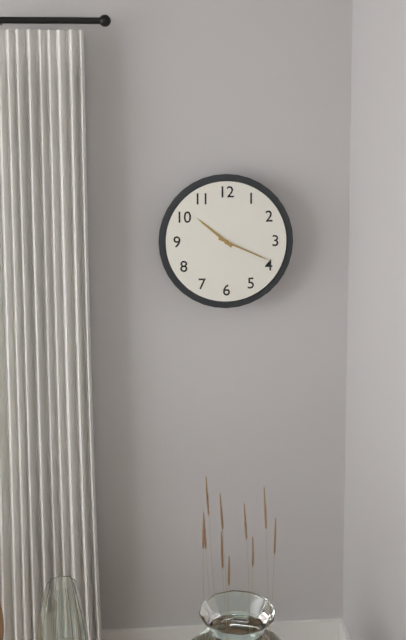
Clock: 10 h 19 min
